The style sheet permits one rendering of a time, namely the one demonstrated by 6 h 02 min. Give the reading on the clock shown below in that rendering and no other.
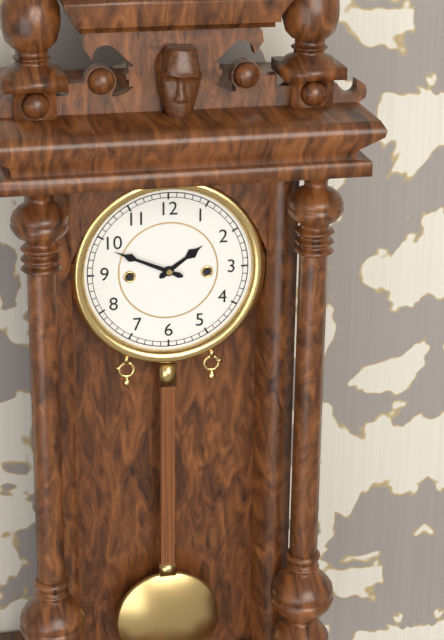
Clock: 1 h 49 min
